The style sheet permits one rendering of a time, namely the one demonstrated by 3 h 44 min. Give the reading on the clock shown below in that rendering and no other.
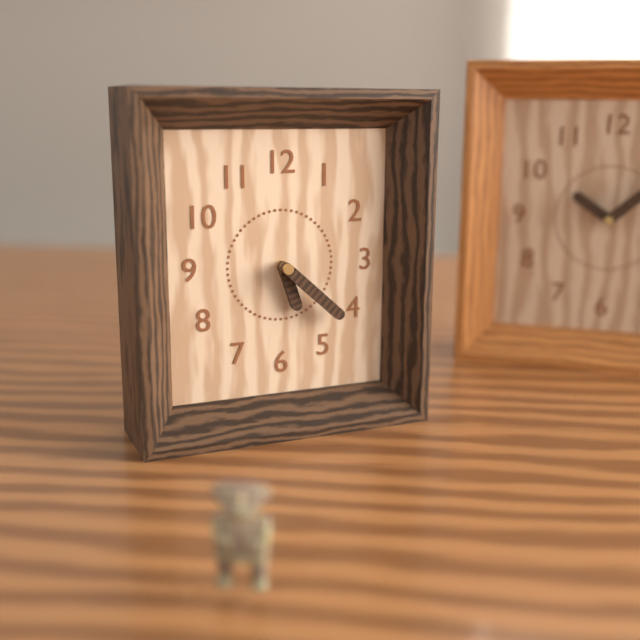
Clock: 5 h 22 min
